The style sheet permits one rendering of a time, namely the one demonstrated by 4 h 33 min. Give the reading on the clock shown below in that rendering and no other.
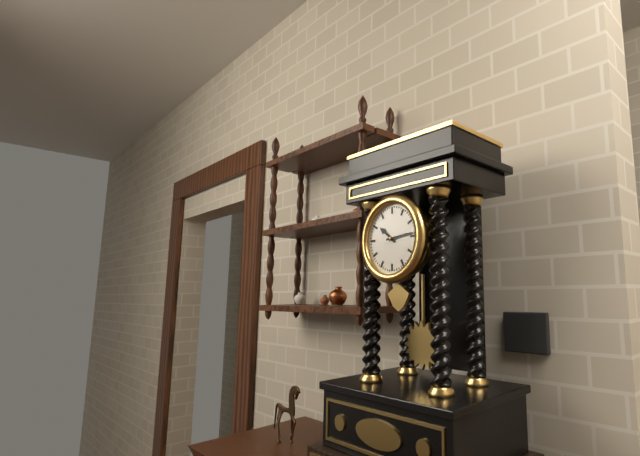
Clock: 10 h 14 min
